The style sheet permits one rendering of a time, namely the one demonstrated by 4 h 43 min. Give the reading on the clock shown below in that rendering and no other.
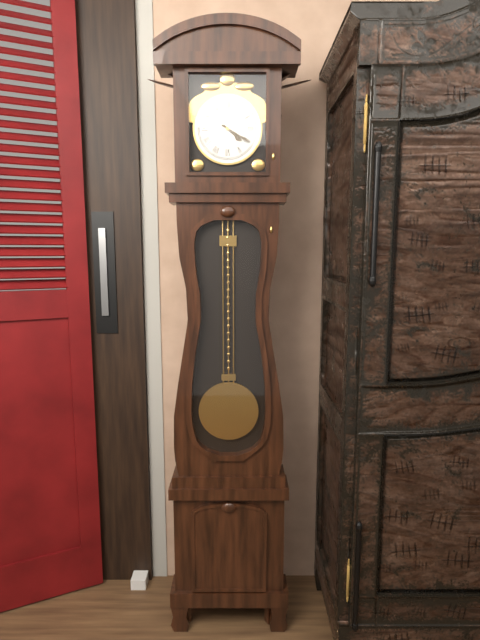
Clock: 4 h 20 min
